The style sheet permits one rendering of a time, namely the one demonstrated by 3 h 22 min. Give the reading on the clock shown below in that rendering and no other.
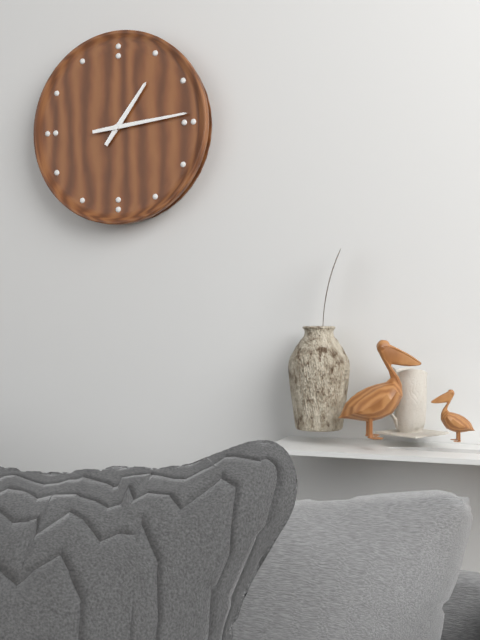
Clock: 1 h 14 min
